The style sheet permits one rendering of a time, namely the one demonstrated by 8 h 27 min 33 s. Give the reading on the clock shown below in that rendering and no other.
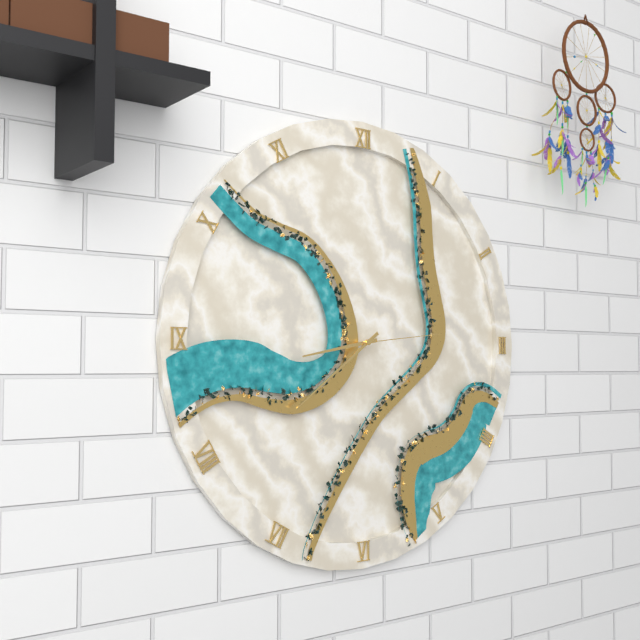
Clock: 8 h 39 min 14 s
